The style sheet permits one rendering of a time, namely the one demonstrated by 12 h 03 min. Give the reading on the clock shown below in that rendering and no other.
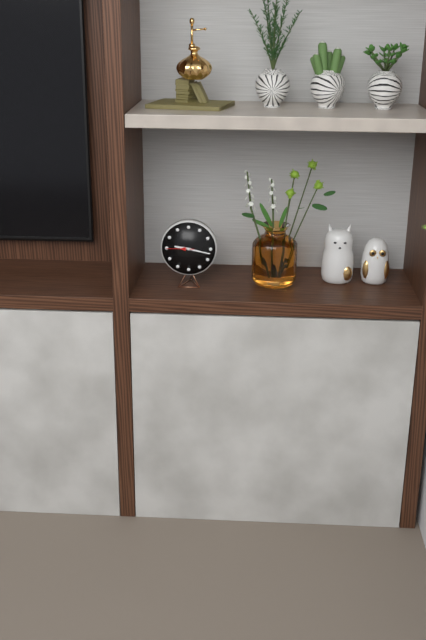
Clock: 9 h 17 min
